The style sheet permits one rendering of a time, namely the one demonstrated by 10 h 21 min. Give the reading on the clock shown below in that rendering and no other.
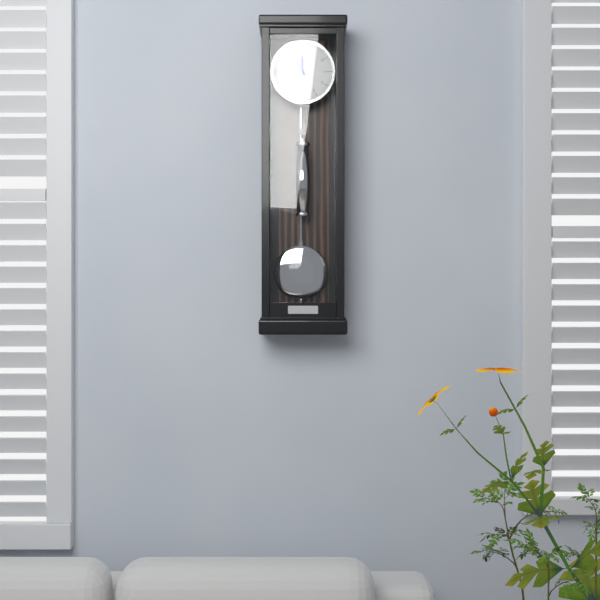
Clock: 11 h 54 min
